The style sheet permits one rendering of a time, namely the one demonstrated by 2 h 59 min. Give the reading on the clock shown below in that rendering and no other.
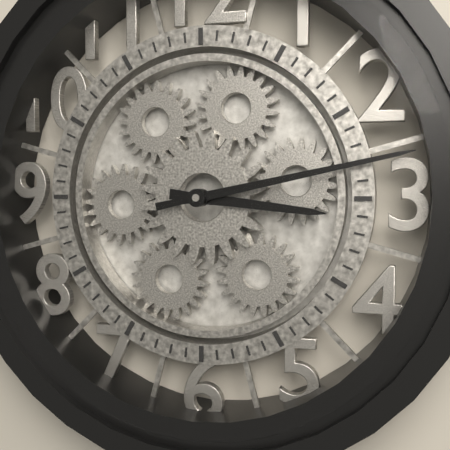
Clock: 3 h 13 min
